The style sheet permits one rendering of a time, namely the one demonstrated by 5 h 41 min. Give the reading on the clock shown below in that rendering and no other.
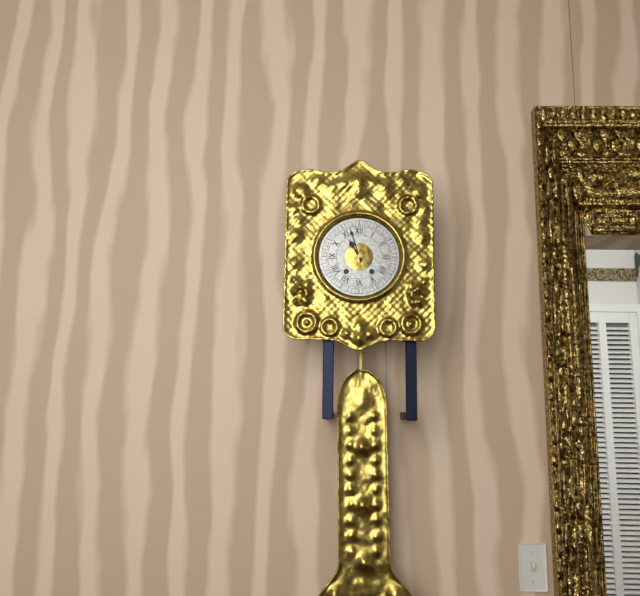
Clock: 10 h 57 min
